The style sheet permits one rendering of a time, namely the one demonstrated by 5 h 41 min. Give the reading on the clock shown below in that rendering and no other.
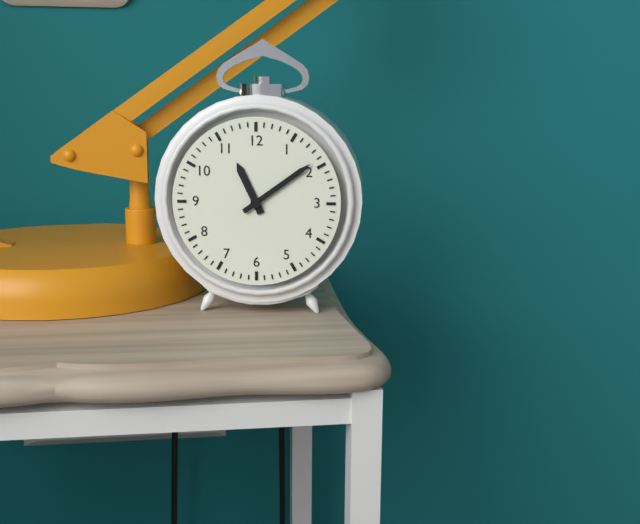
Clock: 11 h 09 min
